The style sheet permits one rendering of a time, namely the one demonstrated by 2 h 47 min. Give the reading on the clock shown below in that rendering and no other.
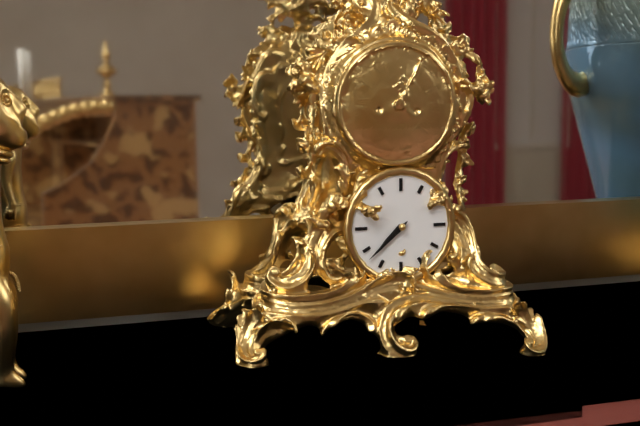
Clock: 7 h 38 min
